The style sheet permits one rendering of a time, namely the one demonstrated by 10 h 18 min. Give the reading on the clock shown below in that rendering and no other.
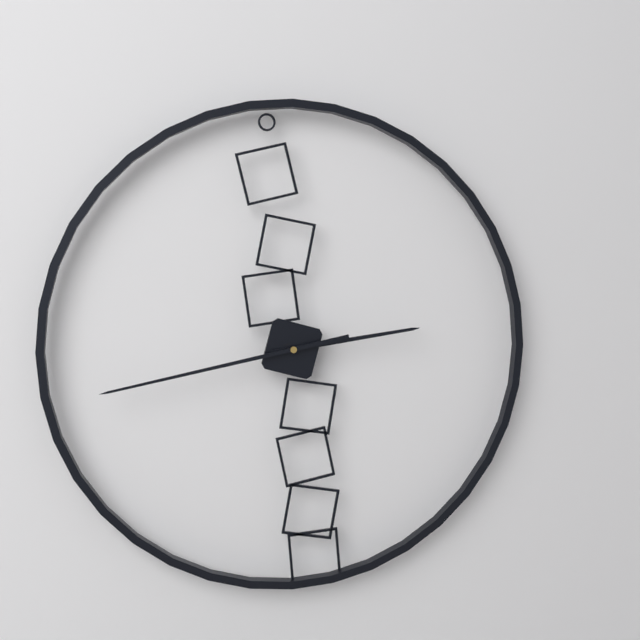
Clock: 2 h 43 min
